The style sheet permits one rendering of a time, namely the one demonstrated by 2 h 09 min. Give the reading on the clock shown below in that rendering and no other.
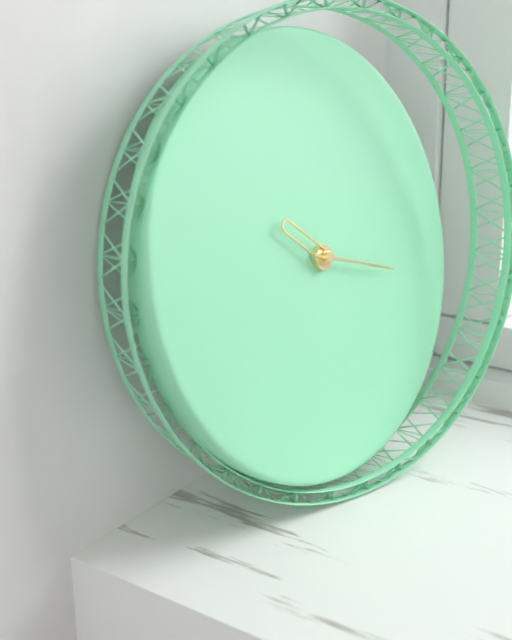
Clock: 10 h 18 min
